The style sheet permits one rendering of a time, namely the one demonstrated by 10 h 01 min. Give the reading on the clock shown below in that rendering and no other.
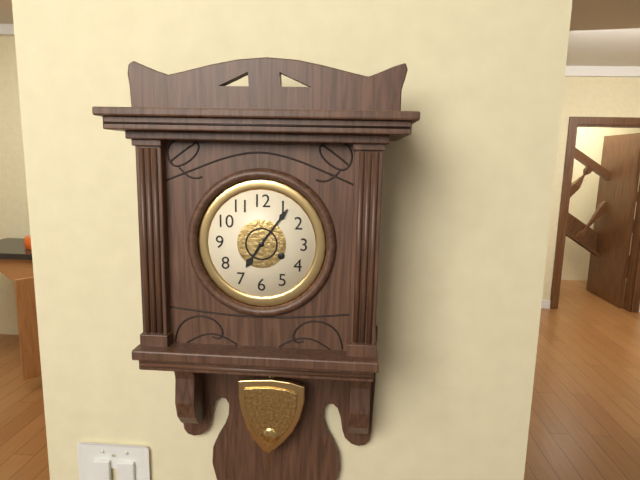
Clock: 7 h 06 min
